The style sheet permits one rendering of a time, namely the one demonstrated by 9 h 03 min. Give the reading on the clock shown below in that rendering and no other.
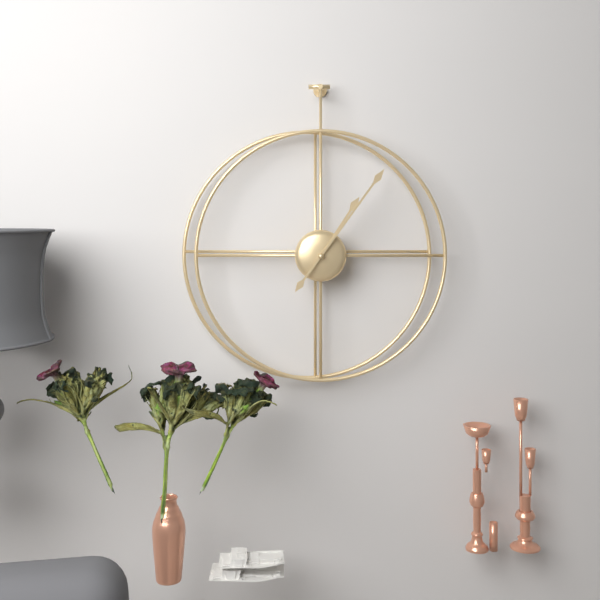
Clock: 1 h 06 min
